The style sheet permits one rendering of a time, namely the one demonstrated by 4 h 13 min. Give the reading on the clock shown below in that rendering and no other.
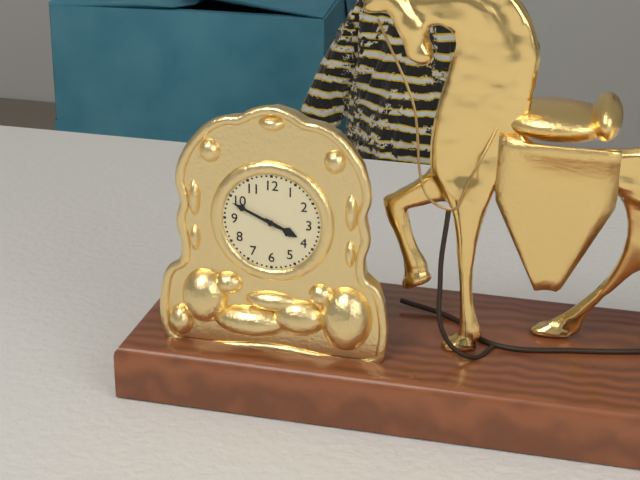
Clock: 3 h 49 min
